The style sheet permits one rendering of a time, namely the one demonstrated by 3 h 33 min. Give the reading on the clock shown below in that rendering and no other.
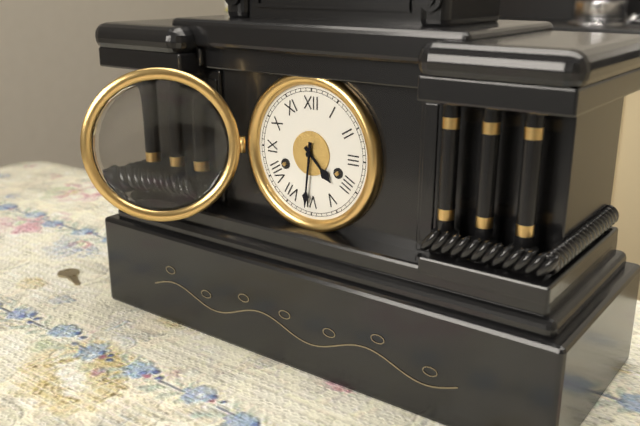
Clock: 4 h 31 min
